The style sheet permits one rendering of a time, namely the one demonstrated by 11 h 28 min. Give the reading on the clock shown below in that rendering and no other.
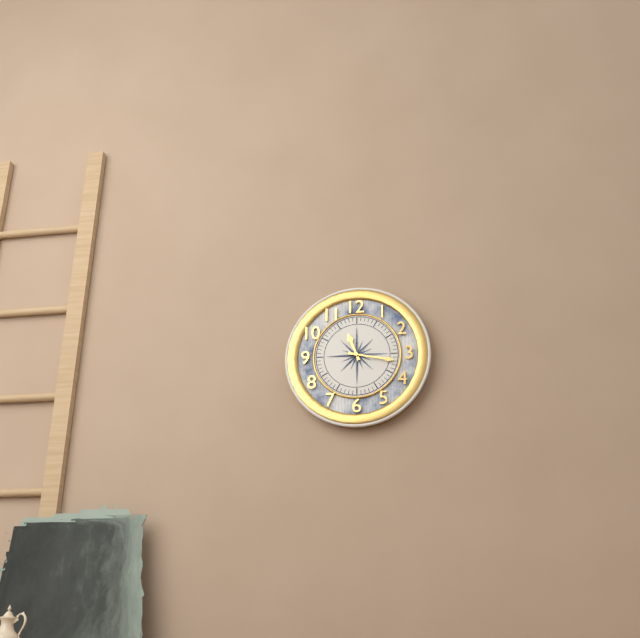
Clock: 11 h 17 min
